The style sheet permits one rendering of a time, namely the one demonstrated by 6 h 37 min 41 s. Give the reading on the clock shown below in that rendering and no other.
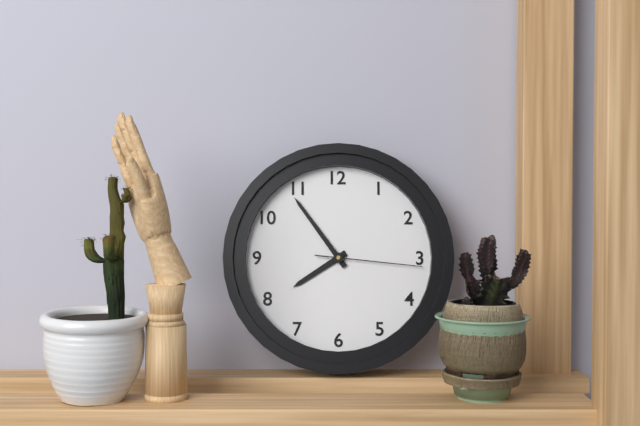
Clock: 7 h 54 min 16 s
